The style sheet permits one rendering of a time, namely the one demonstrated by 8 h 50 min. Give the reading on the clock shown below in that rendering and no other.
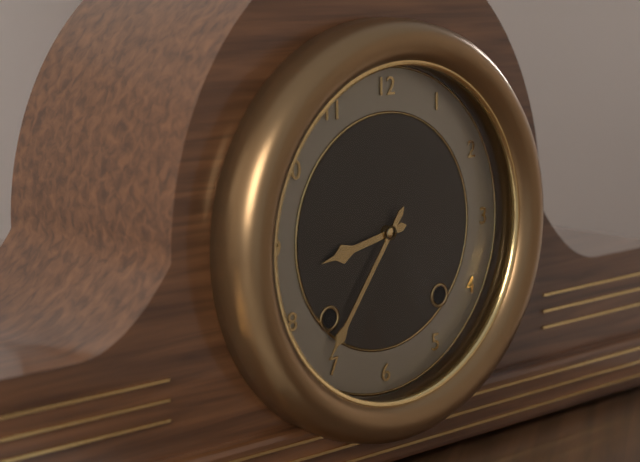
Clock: 8 h 36 min
